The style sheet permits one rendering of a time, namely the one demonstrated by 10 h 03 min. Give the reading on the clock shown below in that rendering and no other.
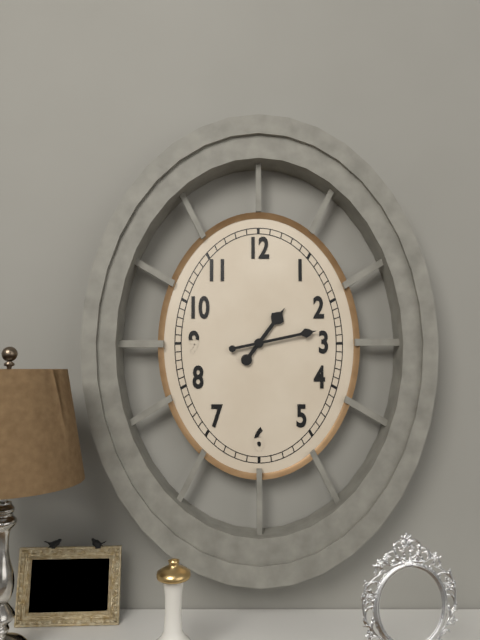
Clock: 1 h 13 min
